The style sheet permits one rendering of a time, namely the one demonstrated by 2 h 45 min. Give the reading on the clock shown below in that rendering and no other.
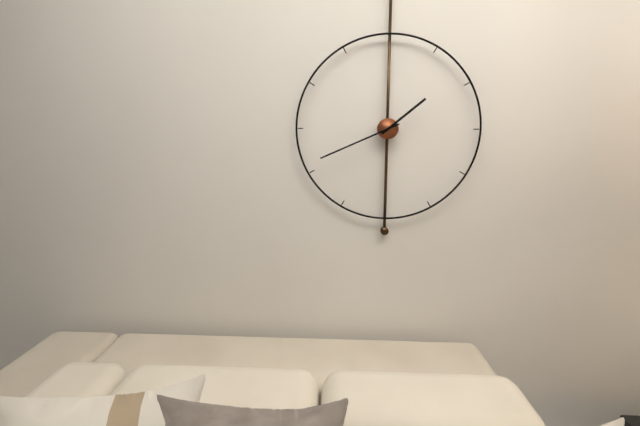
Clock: 1 h 41 min
